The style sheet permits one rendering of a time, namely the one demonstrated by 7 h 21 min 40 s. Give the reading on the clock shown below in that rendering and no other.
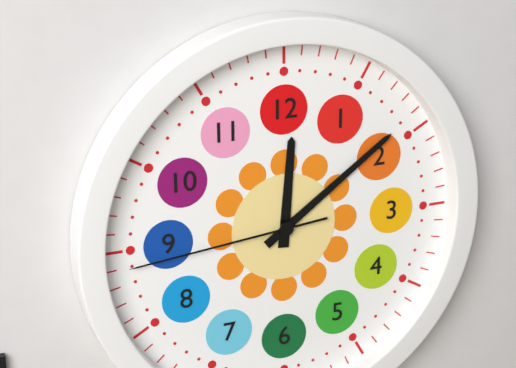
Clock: 12 h 09 min 44 s
